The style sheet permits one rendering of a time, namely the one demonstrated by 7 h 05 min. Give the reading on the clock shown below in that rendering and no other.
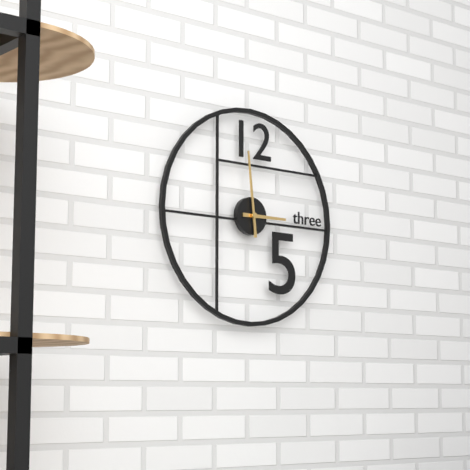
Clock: 2 h 59 min
